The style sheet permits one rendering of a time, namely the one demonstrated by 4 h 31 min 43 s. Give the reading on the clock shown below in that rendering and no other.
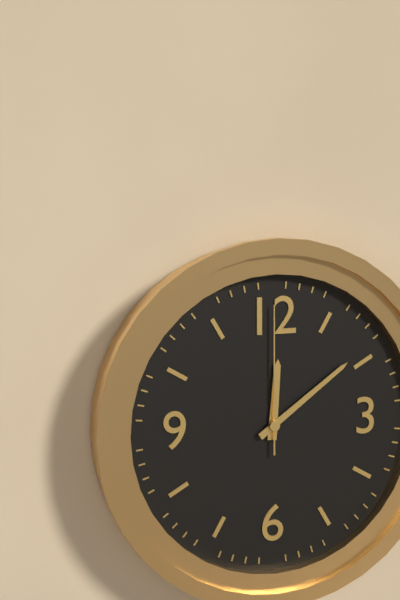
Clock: 12 h 09 min 00 s
